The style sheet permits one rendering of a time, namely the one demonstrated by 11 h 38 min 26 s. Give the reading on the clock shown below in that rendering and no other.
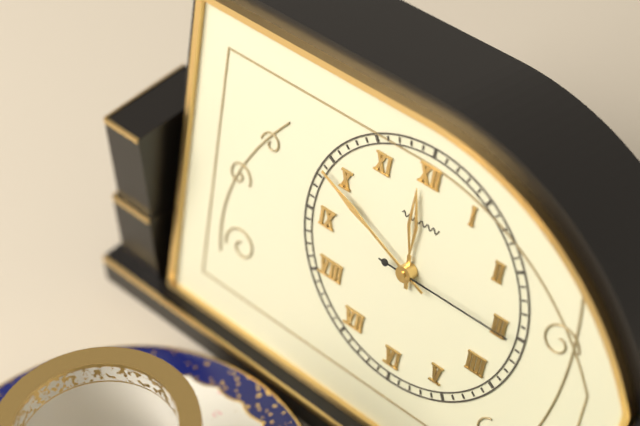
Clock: 11 h 49 min 15 s
